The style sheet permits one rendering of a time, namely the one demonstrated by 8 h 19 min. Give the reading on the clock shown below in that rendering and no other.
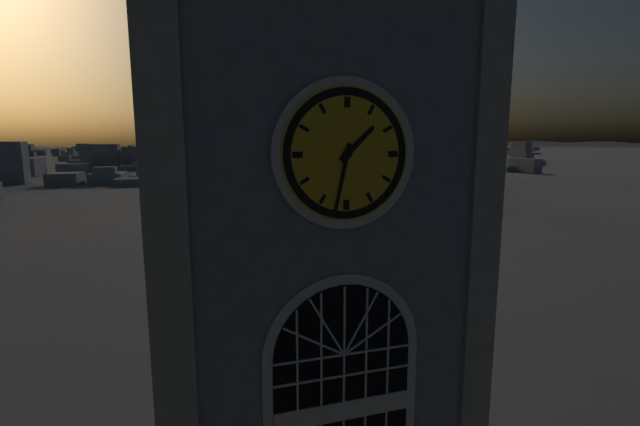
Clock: 1 h 32 min
